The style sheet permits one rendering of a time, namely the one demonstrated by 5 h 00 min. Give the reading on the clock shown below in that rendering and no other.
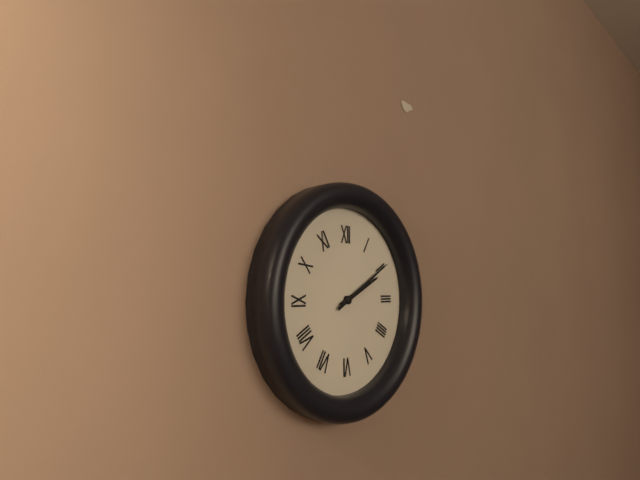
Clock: 2 h 10 min
